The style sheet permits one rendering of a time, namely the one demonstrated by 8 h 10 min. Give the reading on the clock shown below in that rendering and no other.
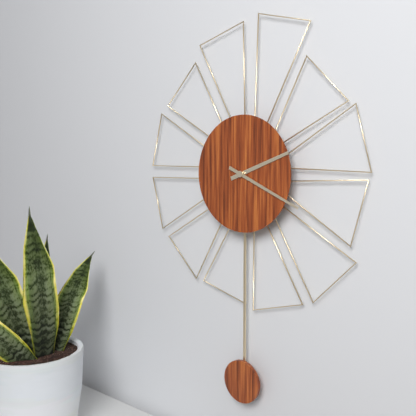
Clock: 2 h 19 min
